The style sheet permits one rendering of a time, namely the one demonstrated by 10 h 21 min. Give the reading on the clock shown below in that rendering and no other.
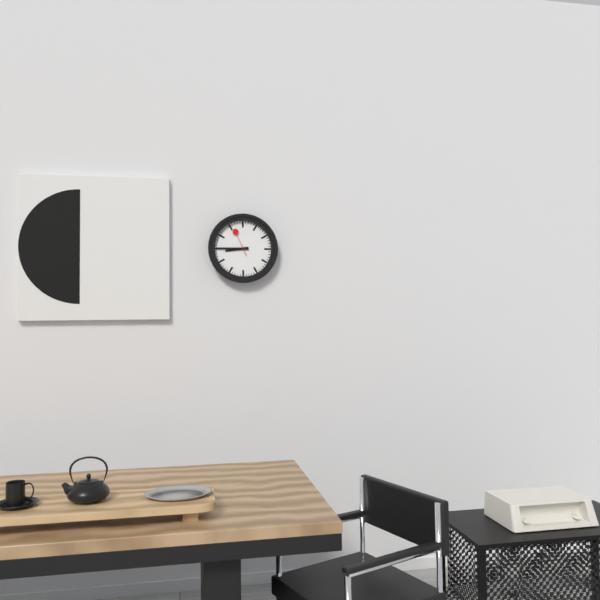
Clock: 8 h 45 min
